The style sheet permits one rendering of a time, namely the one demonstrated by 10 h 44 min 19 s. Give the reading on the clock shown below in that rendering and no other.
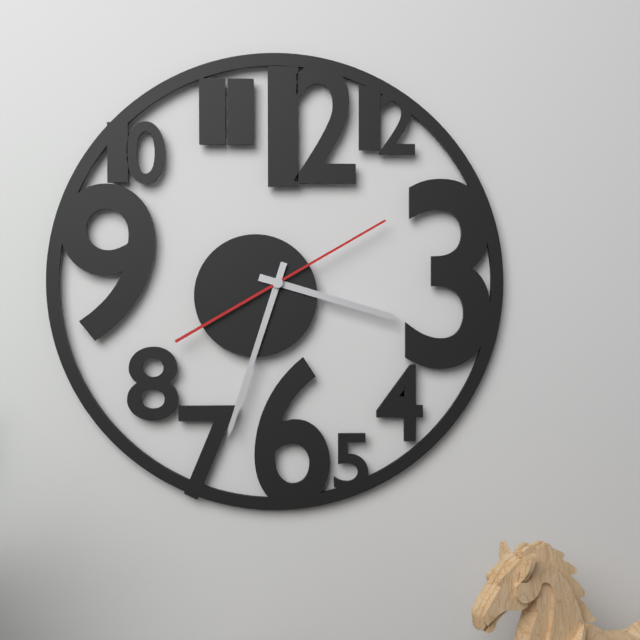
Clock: 3 h 33 min 10 s
